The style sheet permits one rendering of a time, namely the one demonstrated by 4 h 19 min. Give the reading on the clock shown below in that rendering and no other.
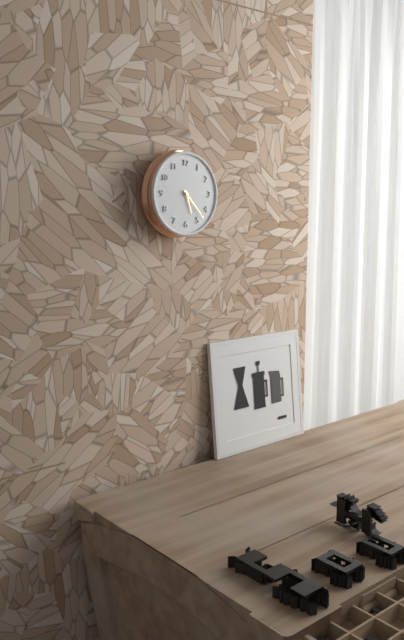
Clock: 5 h 23 min
